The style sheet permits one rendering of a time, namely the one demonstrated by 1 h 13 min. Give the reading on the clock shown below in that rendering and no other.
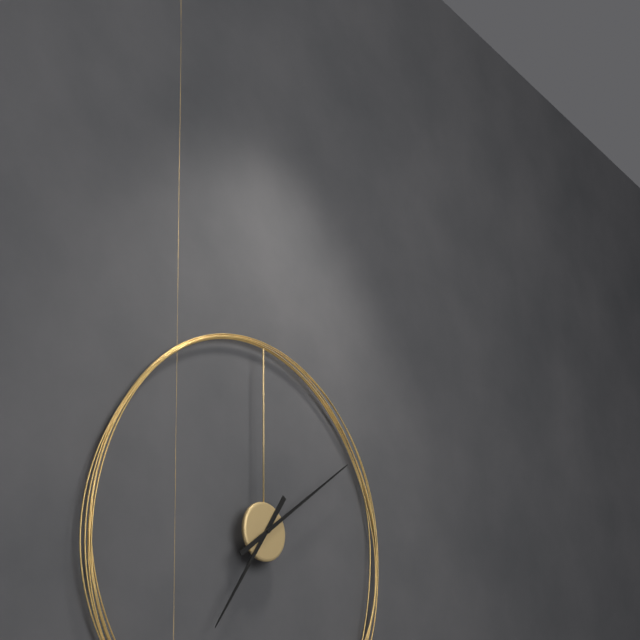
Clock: 7 h 09 min
